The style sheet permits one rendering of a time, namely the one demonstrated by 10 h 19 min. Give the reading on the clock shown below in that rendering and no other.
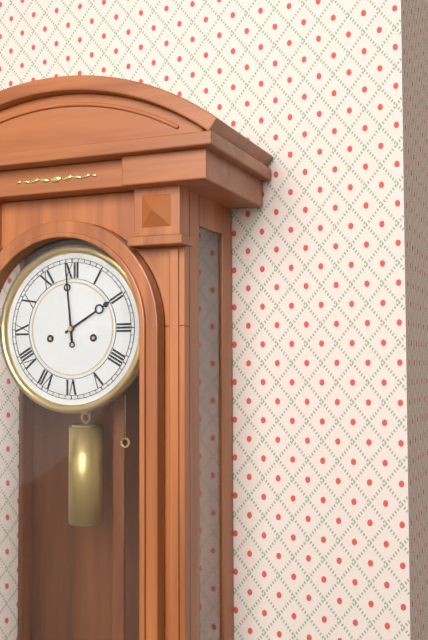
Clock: 1 h 59 min
